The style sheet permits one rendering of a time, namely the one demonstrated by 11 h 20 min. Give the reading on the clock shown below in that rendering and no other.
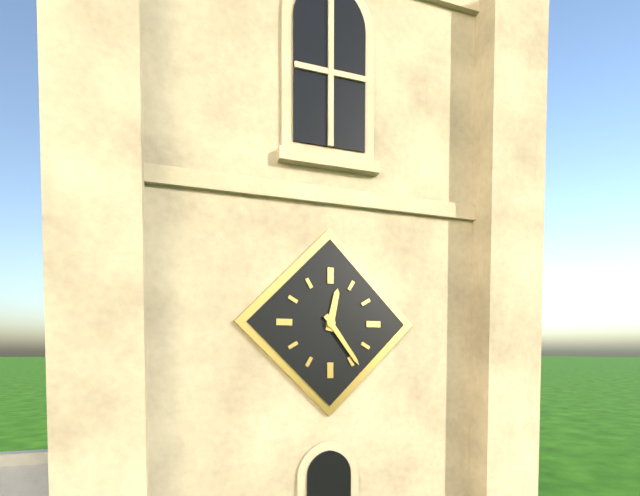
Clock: 12 h 24 min
